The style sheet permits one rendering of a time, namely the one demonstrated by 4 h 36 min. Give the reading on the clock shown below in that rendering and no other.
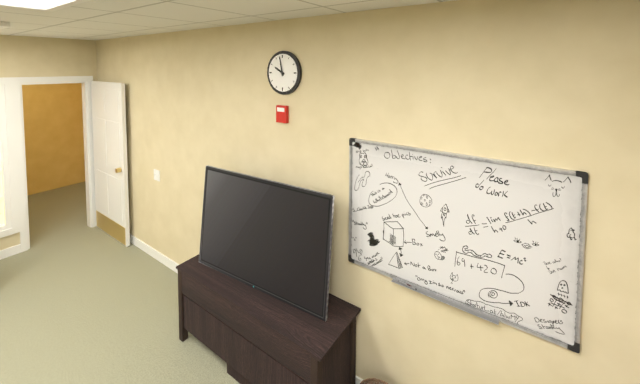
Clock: 9 h 58 min
